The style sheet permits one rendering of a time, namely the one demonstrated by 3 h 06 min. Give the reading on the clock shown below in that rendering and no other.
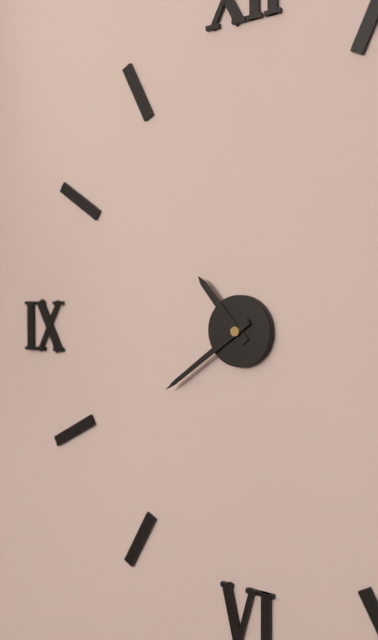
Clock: 10 h 39 min
